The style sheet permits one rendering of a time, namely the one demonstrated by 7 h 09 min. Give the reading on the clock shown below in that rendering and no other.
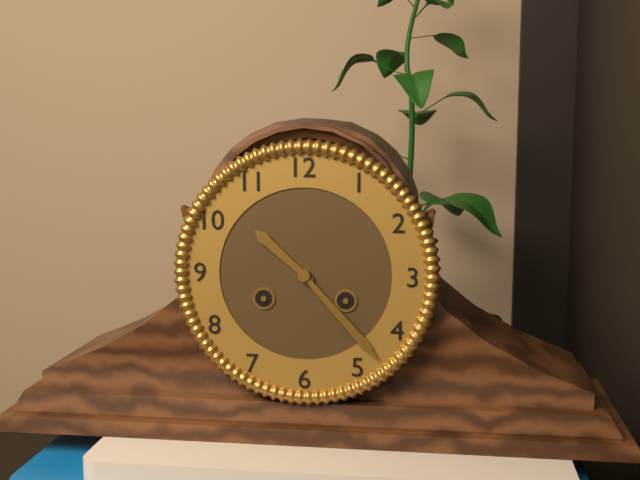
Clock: 10 h 23 min
